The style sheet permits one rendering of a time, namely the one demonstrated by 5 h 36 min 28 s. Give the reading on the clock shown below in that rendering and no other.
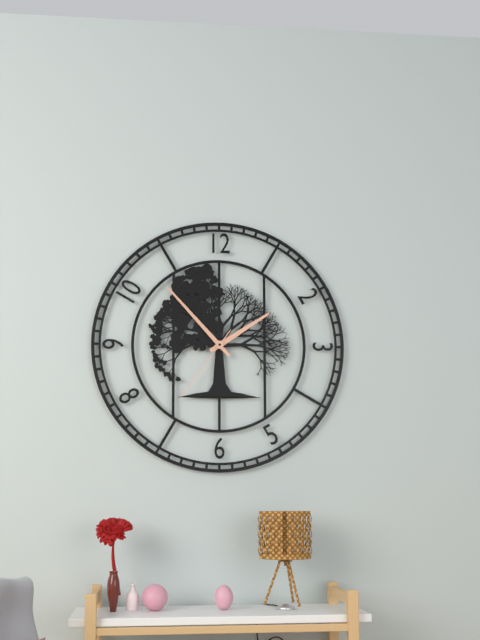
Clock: 1 h 53 min 36 s
